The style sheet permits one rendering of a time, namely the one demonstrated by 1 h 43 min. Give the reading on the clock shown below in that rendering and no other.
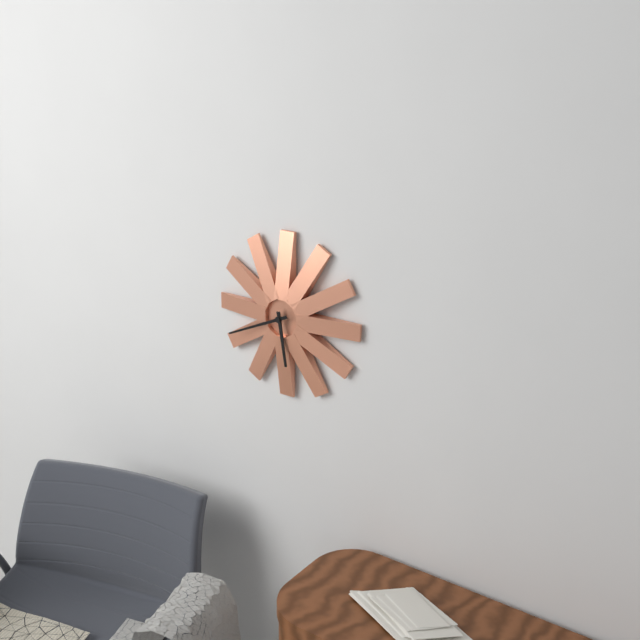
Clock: 5 h 41 min
